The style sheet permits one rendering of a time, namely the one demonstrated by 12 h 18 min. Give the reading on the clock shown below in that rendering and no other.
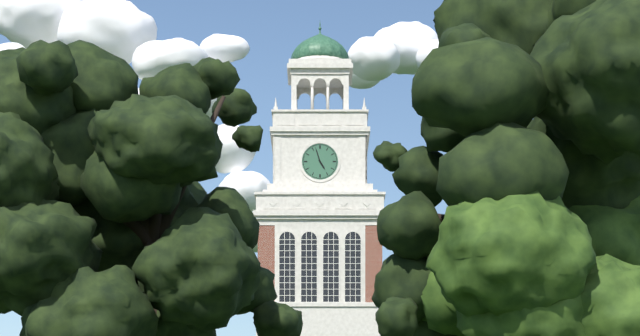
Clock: 4 h 57 min
